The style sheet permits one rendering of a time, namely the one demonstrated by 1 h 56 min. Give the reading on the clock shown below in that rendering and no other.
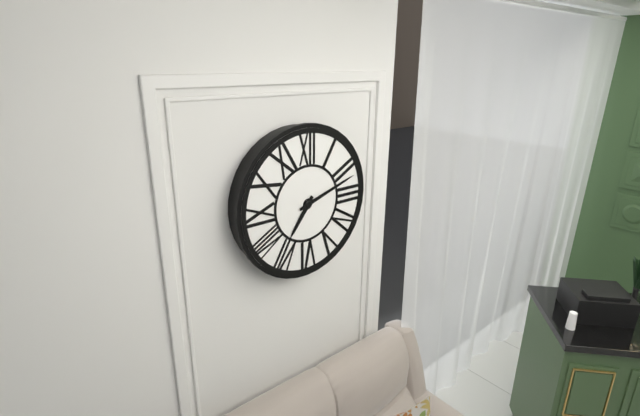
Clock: 7 h 12 min
